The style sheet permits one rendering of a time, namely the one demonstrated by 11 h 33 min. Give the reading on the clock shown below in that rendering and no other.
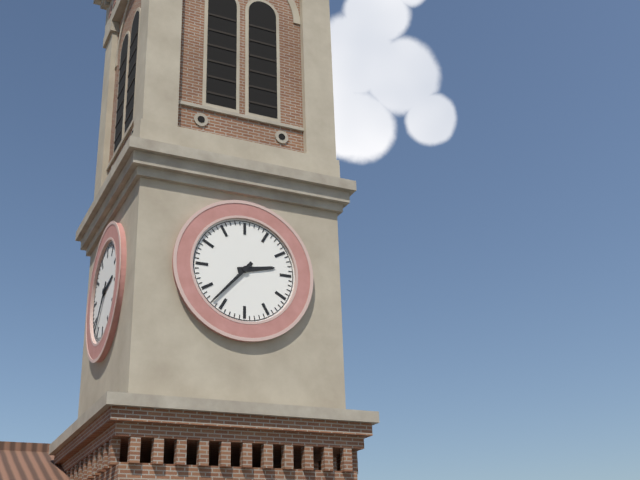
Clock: 2 h 37 min
